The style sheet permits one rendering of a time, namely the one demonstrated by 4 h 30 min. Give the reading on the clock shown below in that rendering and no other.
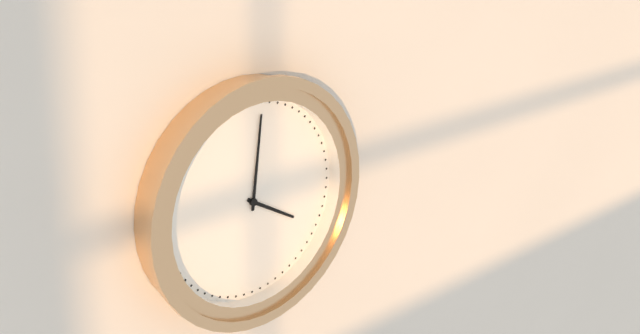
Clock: 4 h 01 min
